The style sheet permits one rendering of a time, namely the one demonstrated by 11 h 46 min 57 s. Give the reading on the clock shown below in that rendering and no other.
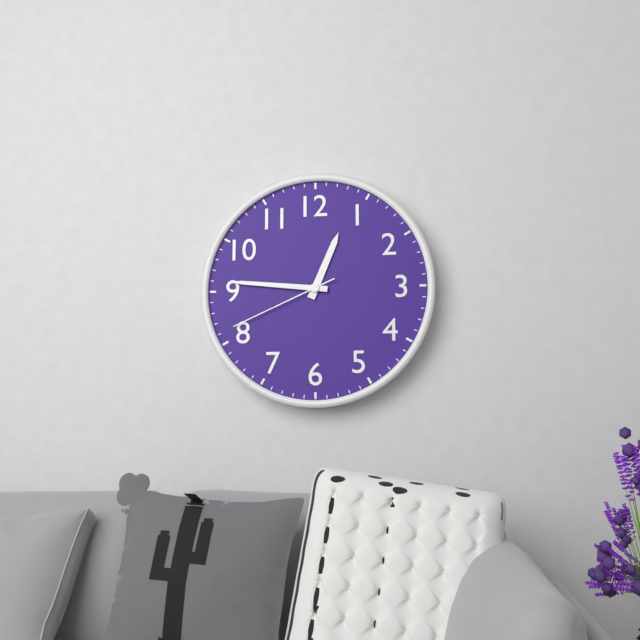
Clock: 12 h 46 min 41 s
